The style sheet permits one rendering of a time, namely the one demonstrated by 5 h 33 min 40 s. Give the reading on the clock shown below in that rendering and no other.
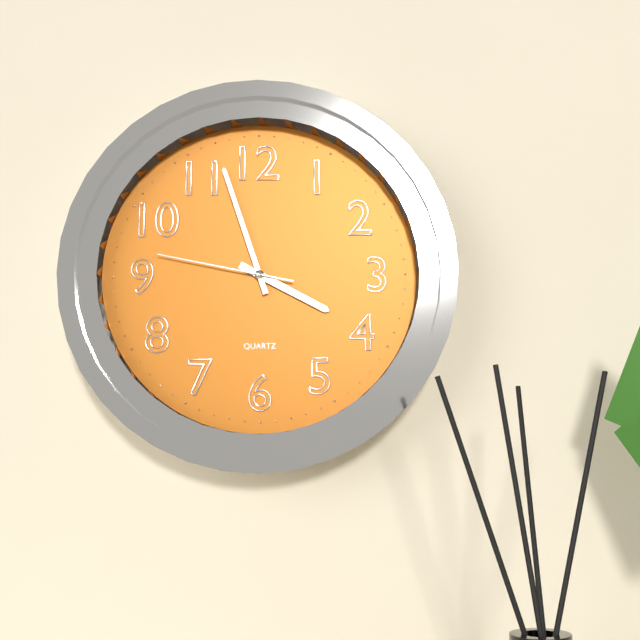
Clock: 3 h 57 min 47 s
